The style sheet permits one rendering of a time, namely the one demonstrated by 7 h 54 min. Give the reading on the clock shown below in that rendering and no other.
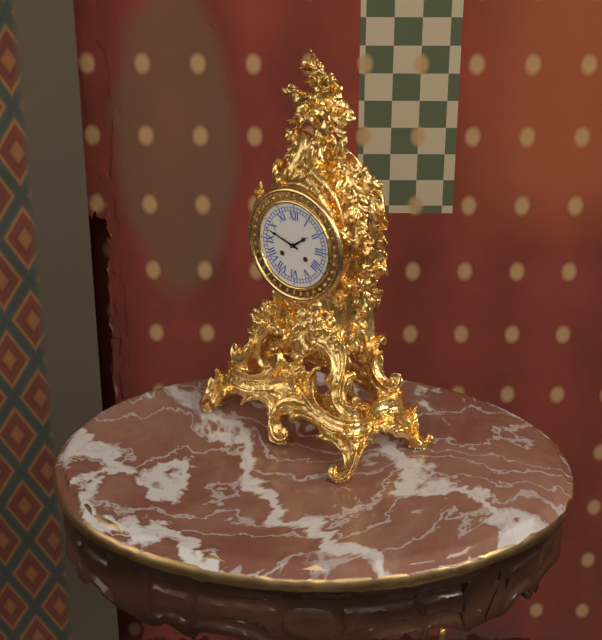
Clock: 1 h 48 min
